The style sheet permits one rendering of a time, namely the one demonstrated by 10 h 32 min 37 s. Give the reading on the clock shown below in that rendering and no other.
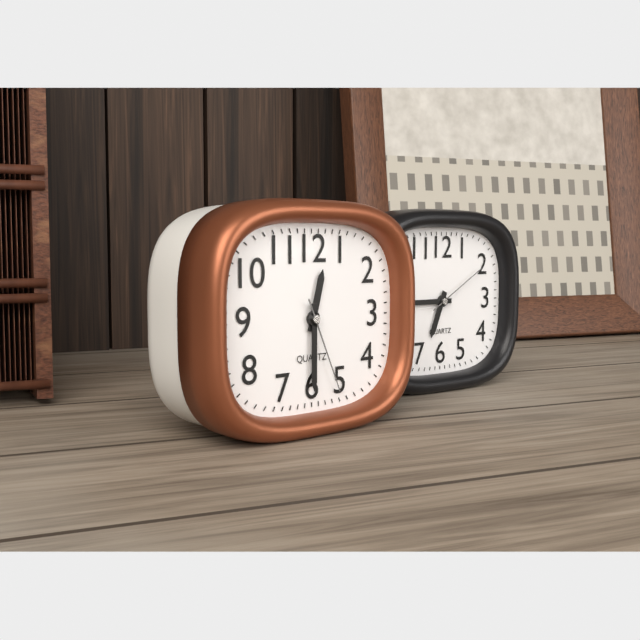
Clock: 12 h 30 min 26 s
